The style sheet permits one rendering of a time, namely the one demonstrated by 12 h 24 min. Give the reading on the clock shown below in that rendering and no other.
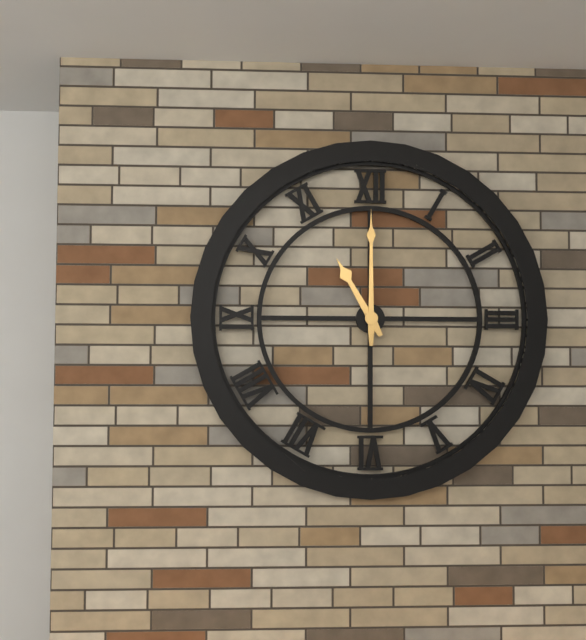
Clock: 11 h 00 min
